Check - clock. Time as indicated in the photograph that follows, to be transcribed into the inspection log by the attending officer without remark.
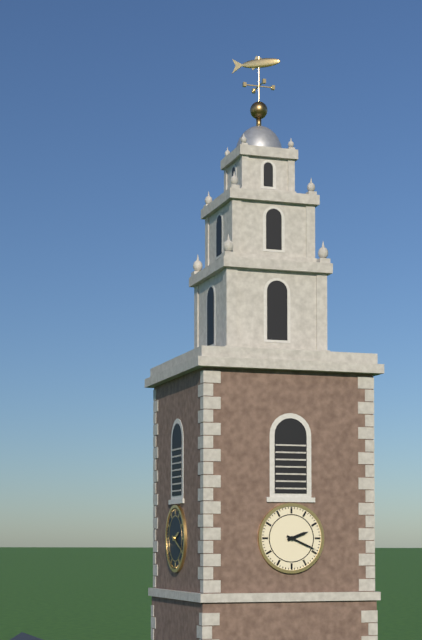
2:19
